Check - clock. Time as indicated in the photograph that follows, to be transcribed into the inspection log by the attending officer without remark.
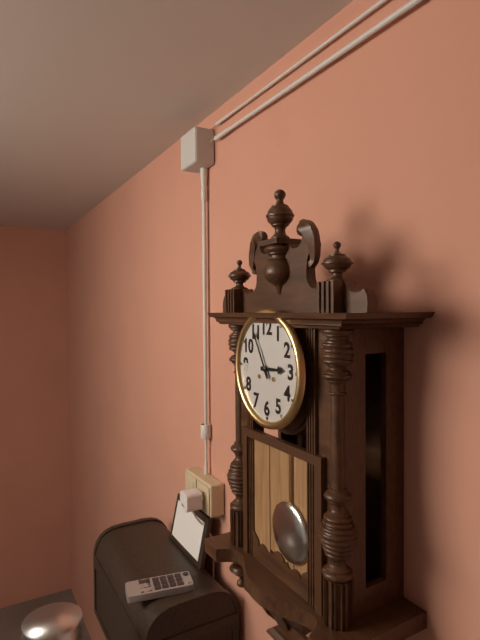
2:55
